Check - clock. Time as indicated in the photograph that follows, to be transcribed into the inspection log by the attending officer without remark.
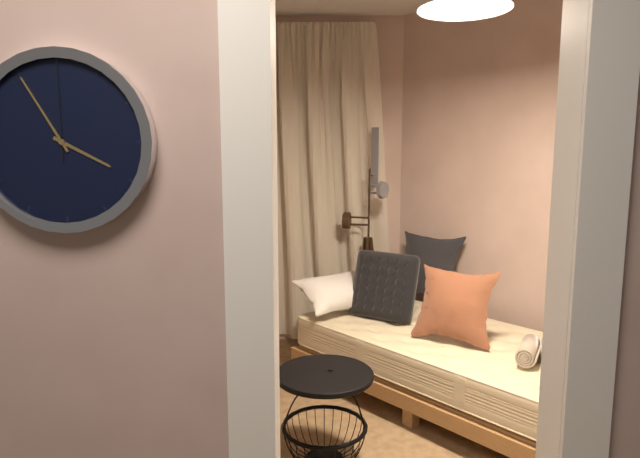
3:55:00
